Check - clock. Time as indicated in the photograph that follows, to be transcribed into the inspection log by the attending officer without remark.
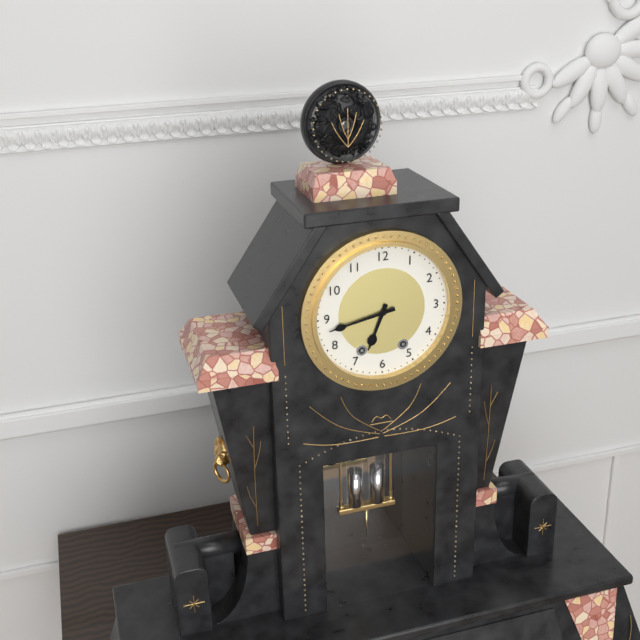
6:43
